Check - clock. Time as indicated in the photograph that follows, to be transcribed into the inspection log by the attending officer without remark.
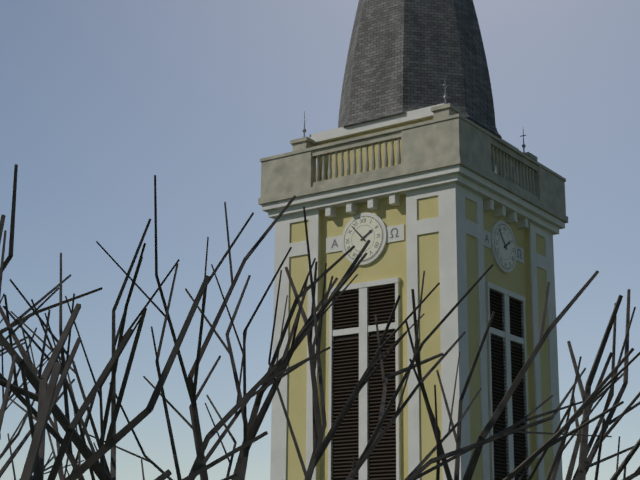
1:53
